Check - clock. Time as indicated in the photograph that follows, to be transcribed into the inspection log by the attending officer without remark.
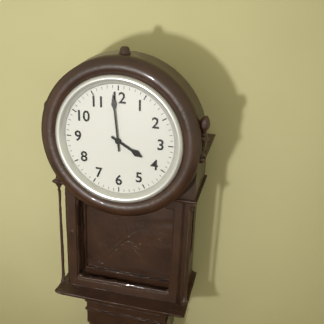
3:59
